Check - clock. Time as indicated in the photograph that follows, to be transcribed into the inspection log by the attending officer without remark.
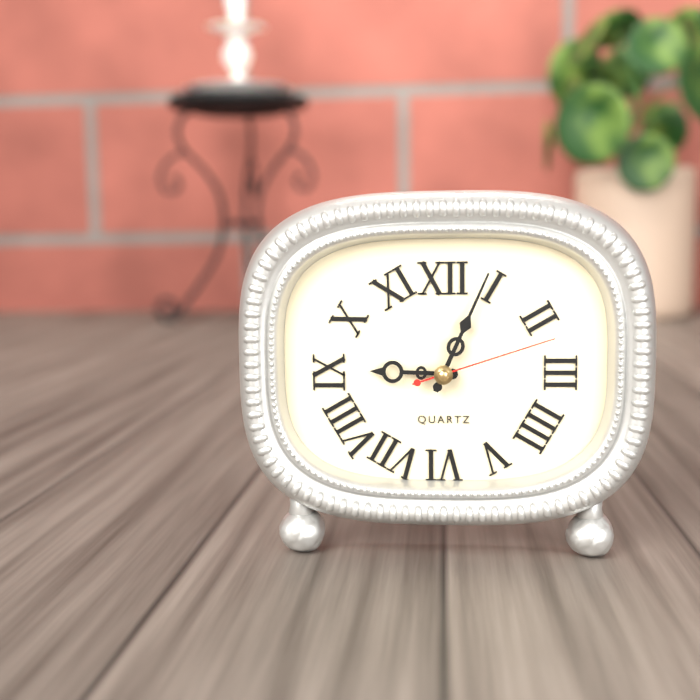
9:04:12
